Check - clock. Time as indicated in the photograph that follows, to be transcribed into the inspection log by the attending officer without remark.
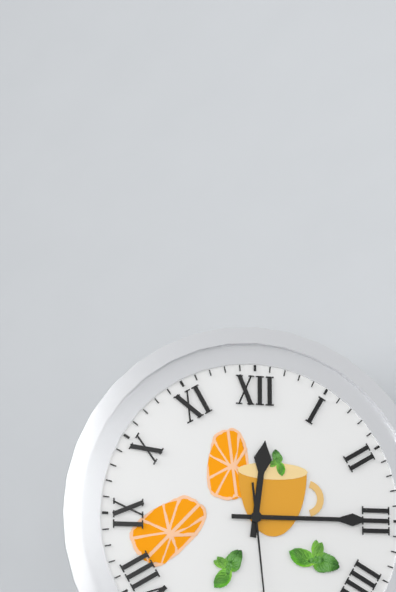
12:15
